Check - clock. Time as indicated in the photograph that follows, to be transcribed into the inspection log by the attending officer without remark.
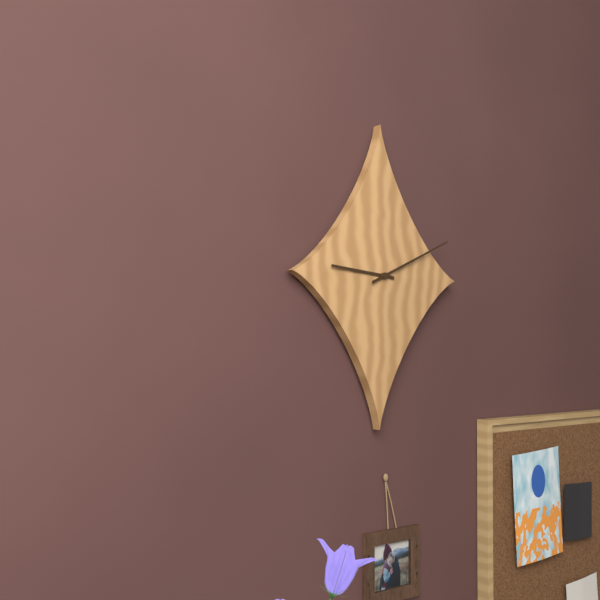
9:11
